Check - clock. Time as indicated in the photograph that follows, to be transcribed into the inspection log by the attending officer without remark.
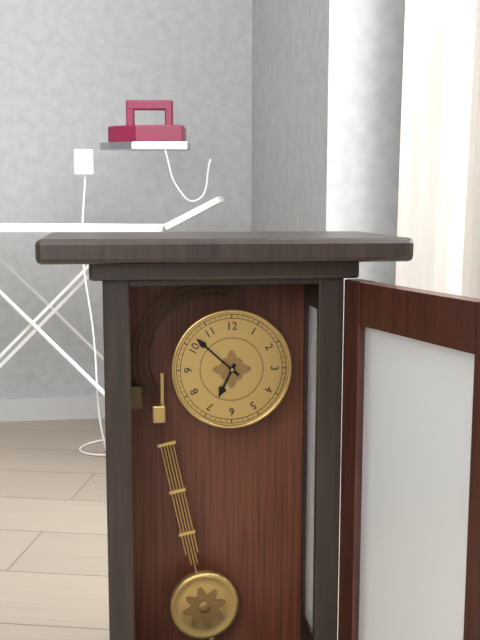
6:52
